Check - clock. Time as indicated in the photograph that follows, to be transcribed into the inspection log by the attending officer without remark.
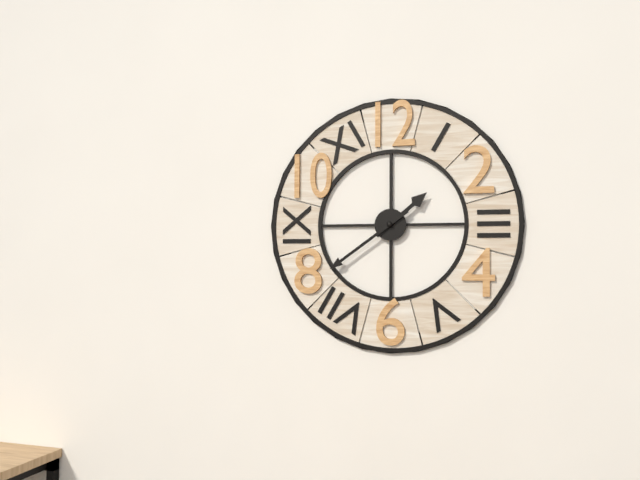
1:39
